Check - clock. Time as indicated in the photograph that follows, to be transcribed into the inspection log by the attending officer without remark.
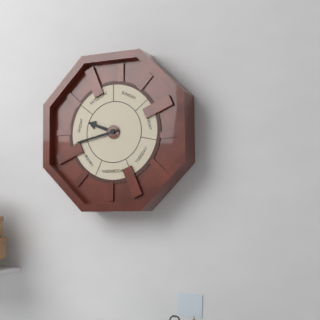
9:43
